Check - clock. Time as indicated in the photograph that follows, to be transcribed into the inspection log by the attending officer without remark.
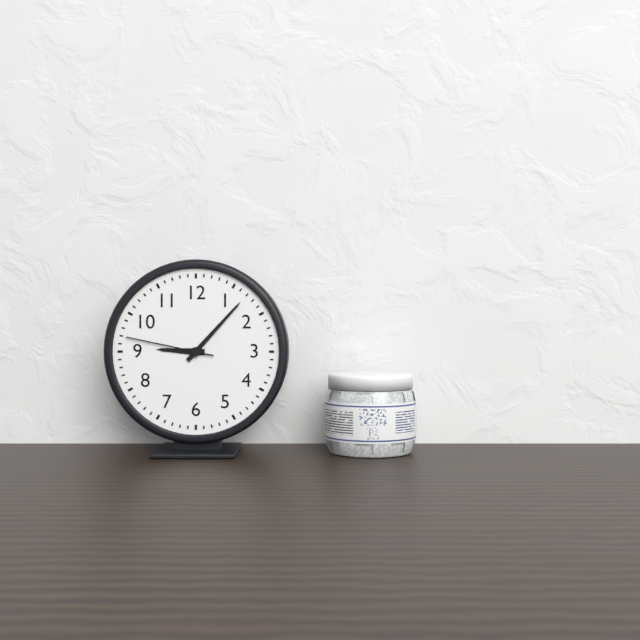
9:07:47
